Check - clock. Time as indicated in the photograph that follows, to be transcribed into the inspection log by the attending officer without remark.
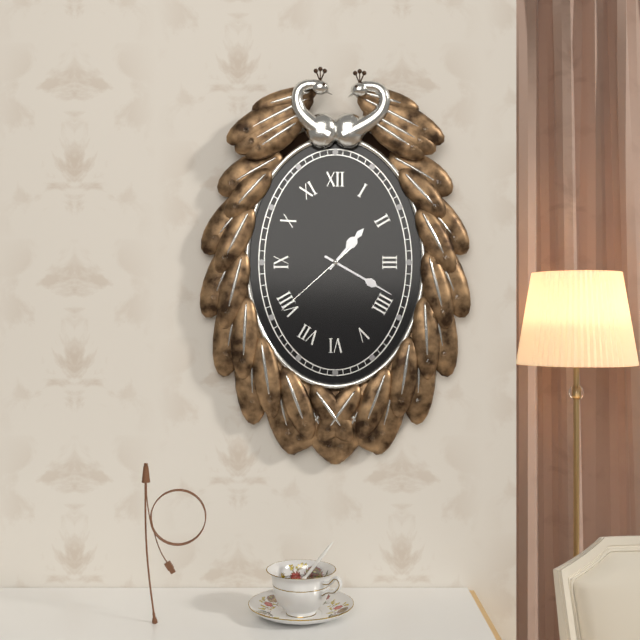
1:20:38
